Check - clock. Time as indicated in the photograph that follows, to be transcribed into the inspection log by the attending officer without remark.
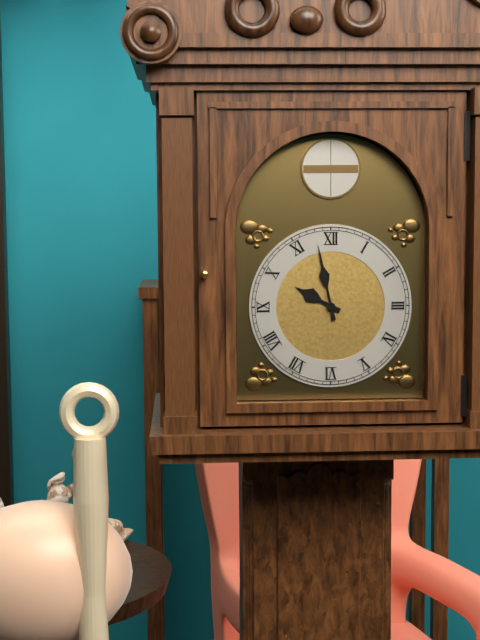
9:58
